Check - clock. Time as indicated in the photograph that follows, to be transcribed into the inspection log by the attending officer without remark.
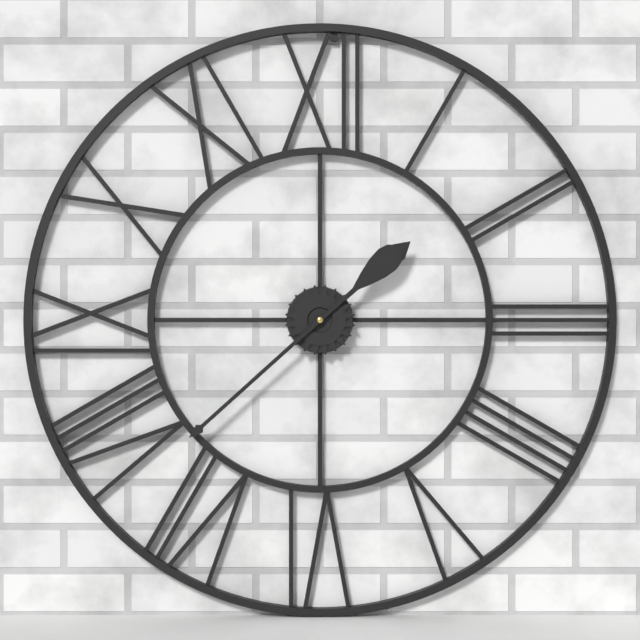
1:38
